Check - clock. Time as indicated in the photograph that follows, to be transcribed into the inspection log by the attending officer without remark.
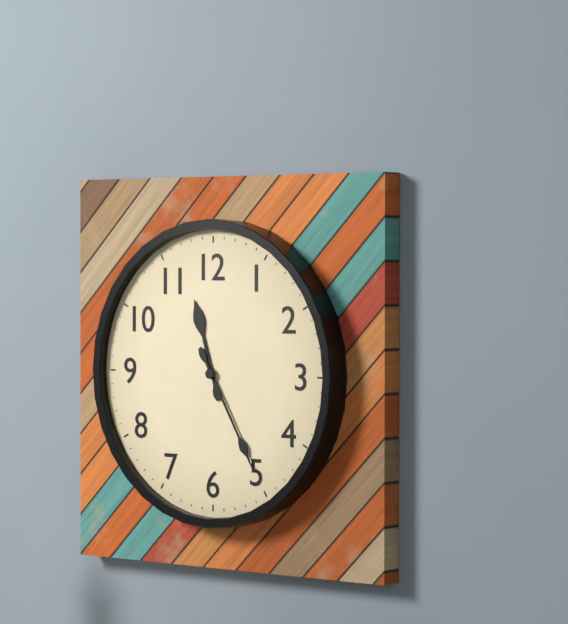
11:25
